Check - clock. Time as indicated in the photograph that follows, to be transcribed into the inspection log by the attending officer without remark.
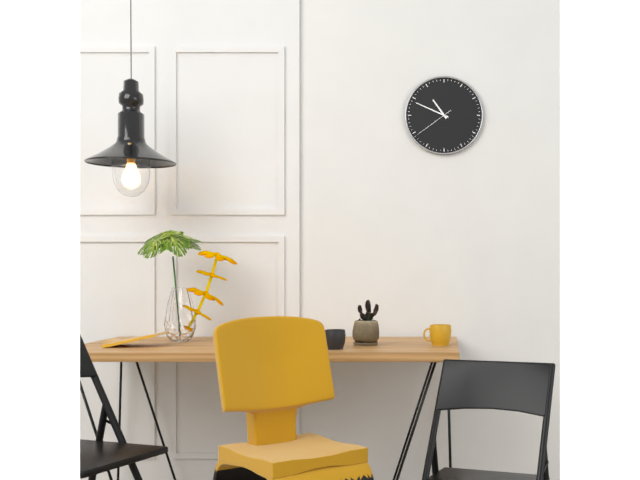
10:49
